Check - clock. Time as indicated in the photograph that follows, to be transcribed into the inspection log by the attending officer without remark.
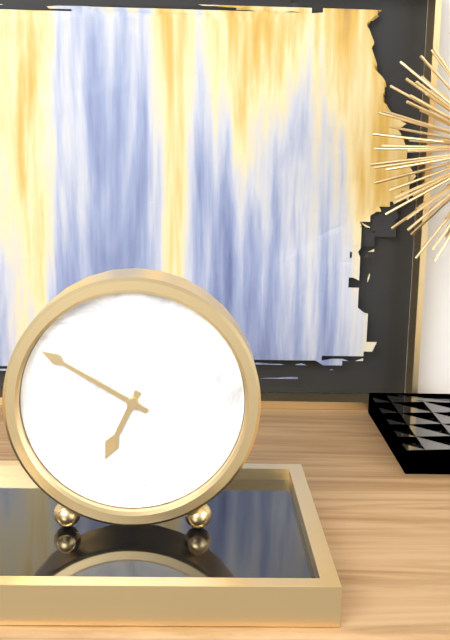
6:50
